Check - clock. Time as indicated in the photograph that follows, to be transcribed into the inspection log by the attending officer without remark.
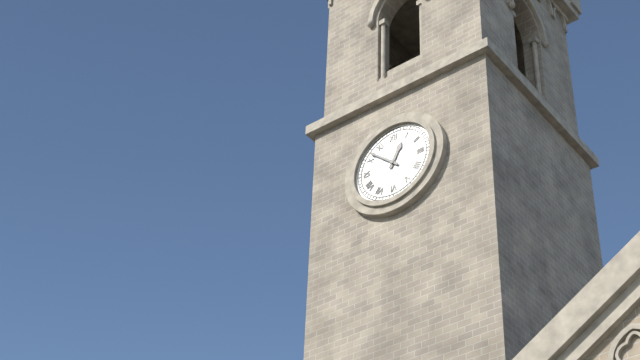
12:52
